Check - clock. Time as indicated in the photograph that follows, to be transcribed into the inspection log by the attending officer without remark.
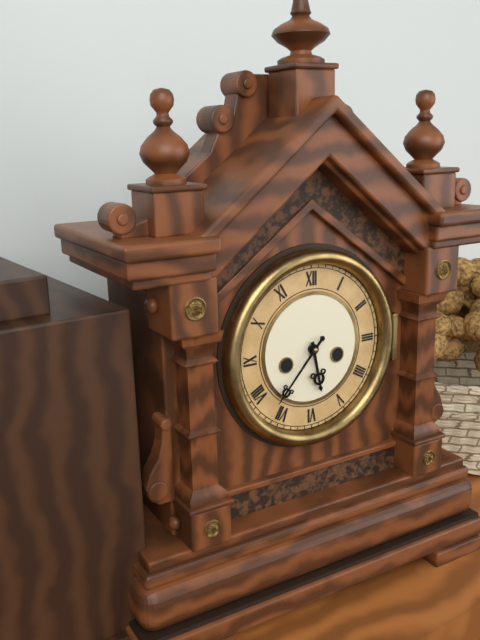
5:37
